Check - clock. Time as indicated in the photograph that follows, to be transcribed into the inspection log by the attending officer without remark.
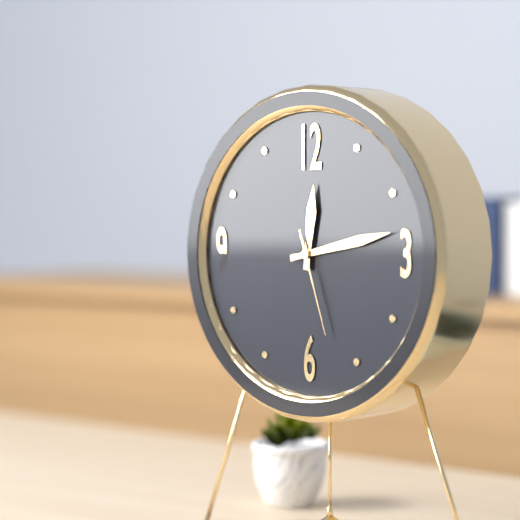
12:13:27
